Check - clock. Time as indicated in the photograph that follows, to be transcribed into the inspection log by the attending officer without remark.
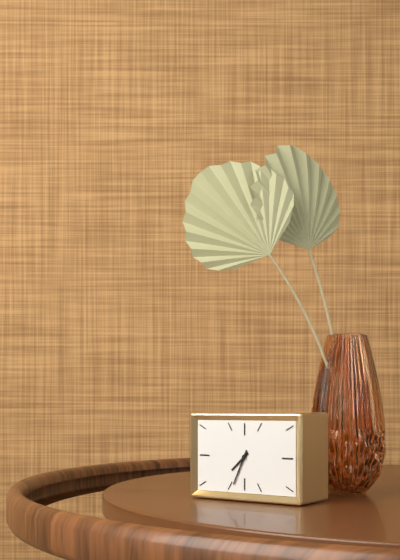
7:34
